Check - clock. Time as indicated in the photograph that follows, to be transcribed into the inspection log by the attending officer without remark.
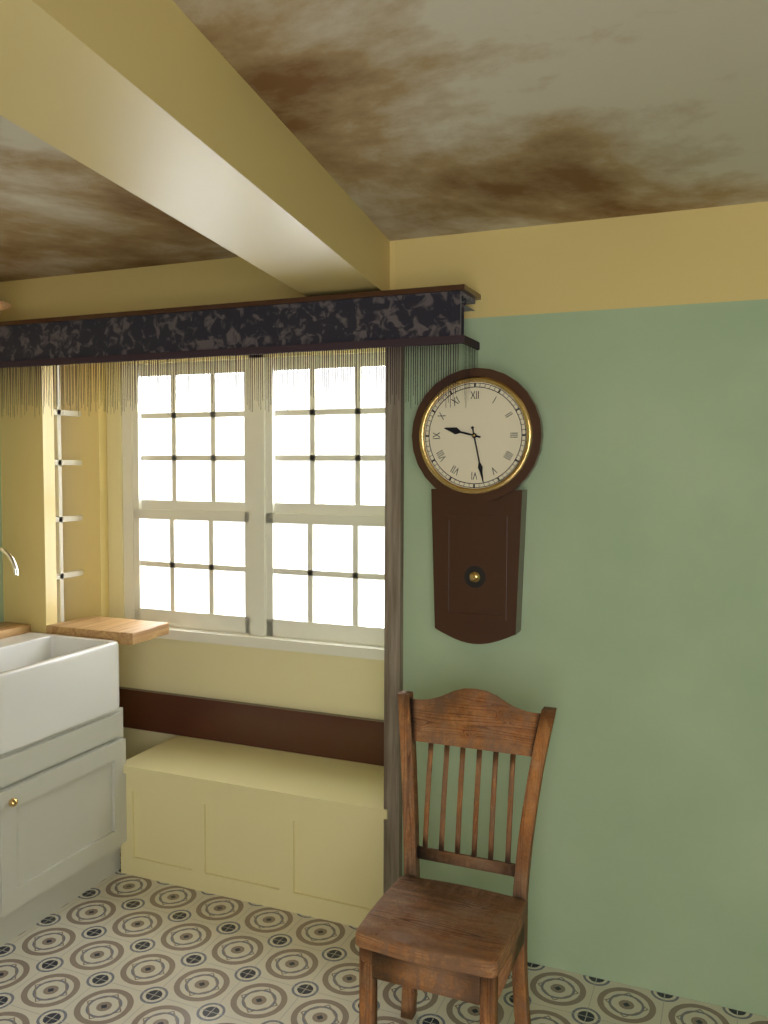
9:28
